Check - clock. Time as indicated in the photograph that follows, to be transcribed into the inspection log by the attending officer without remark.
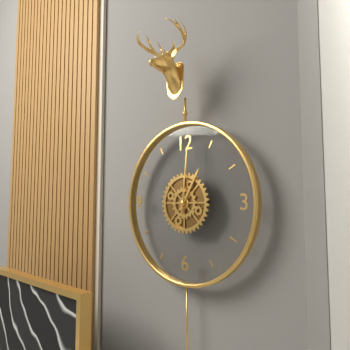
1:01
